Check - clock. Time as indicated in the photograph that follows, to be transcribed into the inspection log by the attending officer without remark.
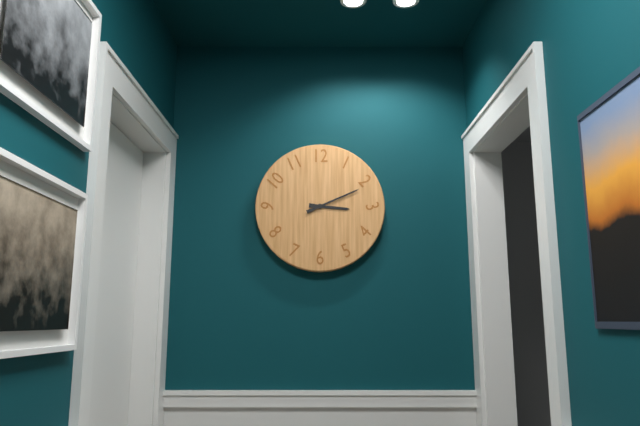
3:11
